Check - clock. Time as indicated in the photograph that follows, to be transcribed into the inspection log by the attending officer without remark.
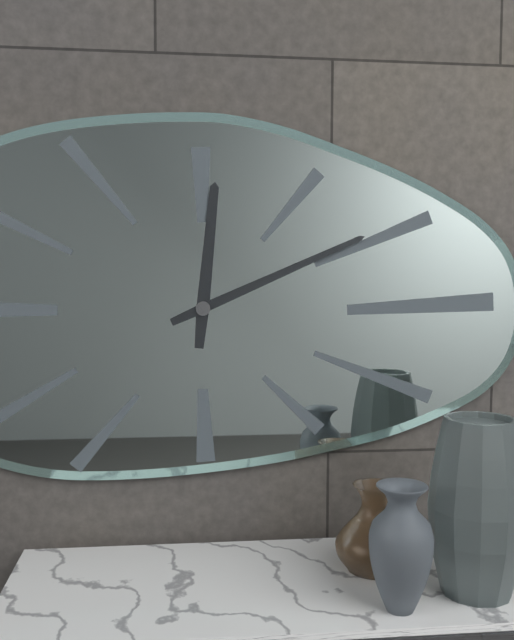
12:11
